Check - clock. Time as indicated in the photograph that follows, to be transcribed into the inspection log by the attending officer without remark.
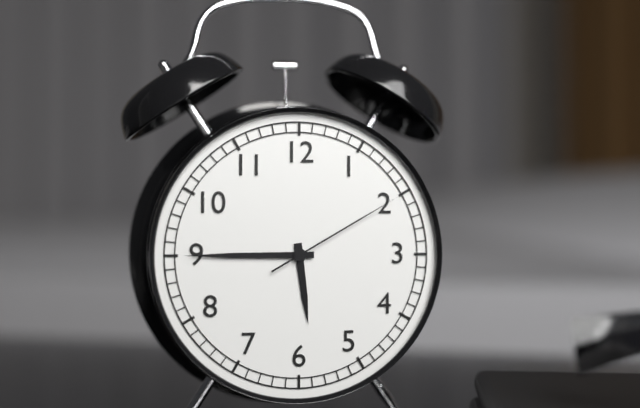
5:45:10
